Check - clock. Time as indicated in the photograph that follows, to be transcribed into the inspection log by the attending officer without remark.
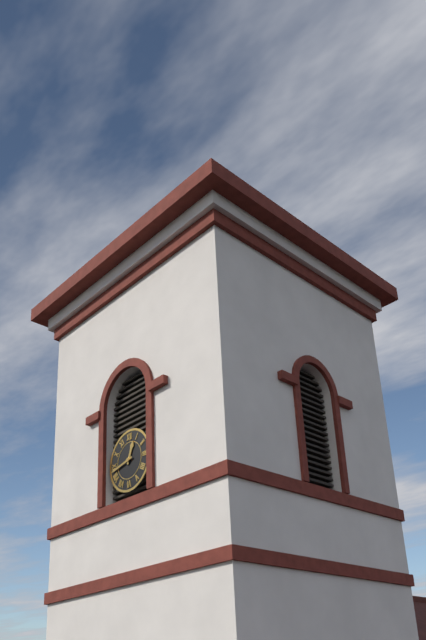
12:43
